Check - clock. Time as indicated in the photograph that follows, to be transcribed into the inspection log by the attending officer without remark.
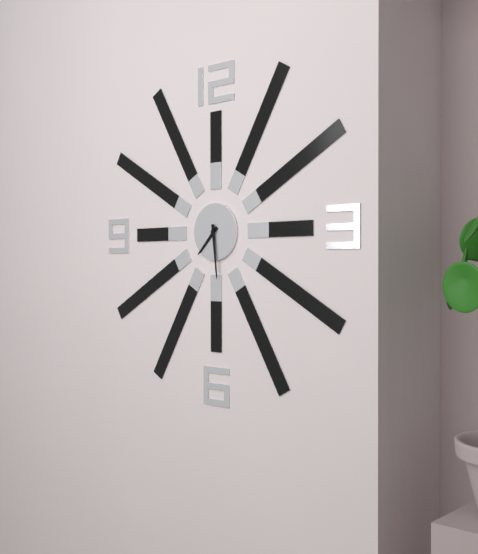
7:29
